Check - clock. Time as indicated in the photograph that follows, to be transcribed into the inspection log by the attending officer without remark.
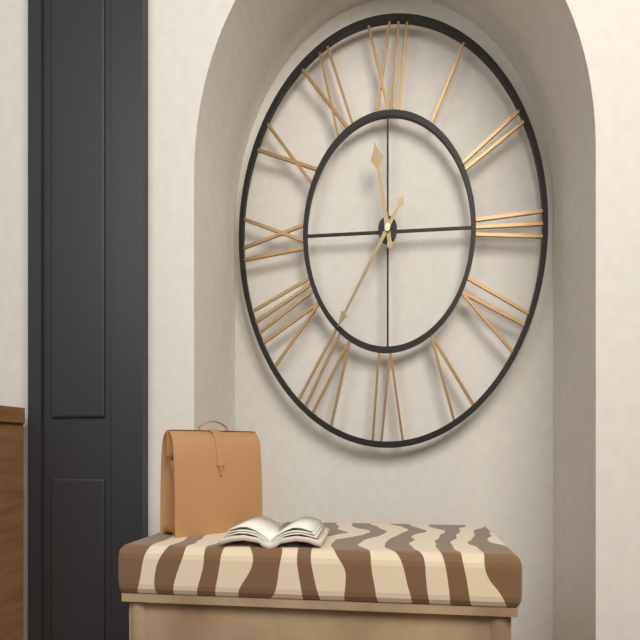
11:36
